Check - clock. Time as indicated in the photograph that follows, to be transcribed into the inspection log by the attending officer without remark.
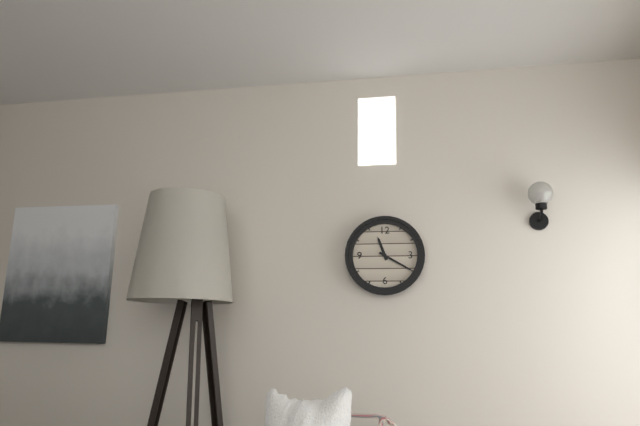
11:20
